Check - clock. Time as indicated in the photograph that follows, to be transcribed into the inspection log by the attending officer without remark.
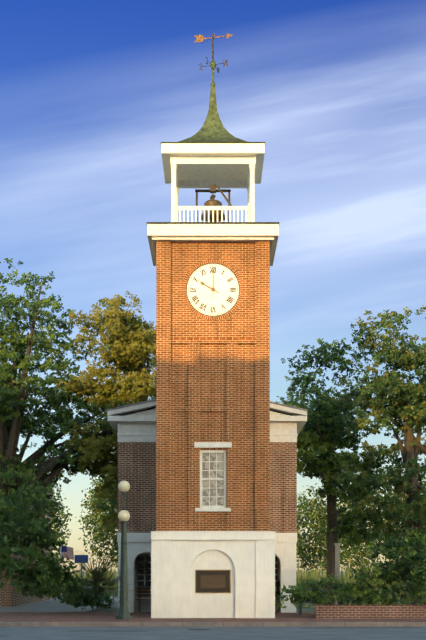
10:00
